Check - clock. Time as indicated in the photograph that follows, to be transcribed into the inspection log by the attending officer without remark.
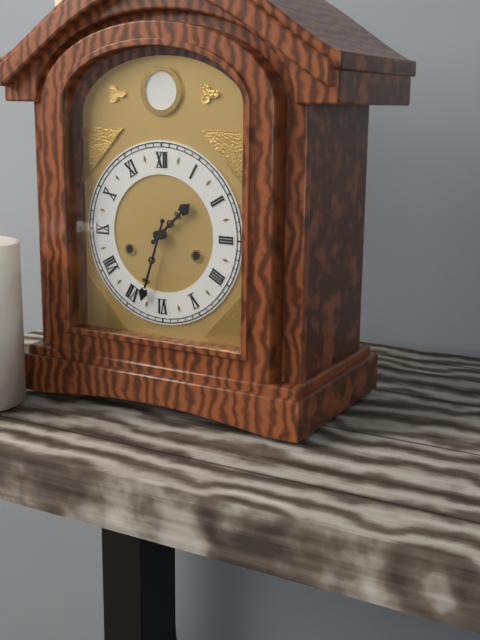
1:33
